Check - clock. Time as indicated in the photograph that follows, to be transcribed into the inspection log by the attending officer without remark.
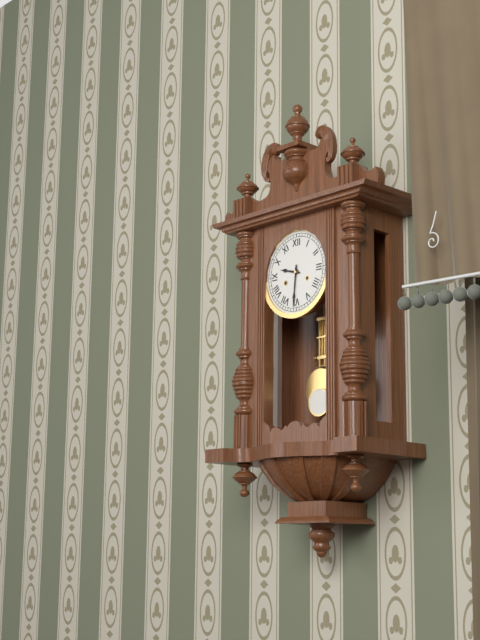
9:31
